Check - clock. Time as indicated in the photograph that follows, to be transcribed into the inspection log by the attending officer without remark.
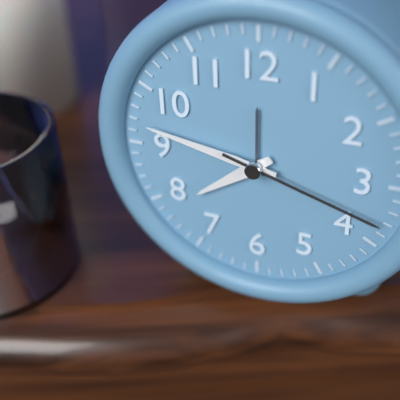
7:47:18
